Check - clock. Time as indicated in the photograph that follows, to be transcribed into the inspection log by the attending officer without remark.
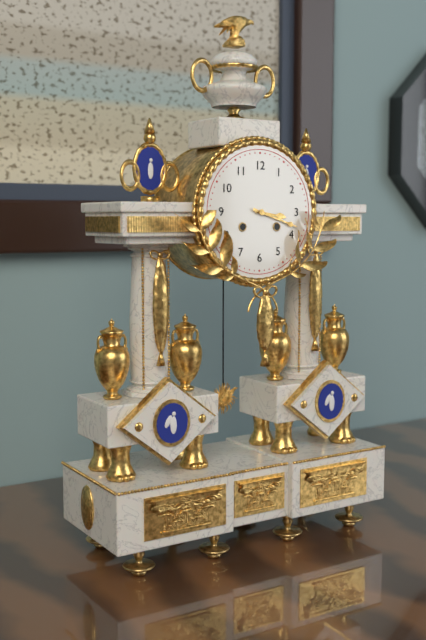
3:18
